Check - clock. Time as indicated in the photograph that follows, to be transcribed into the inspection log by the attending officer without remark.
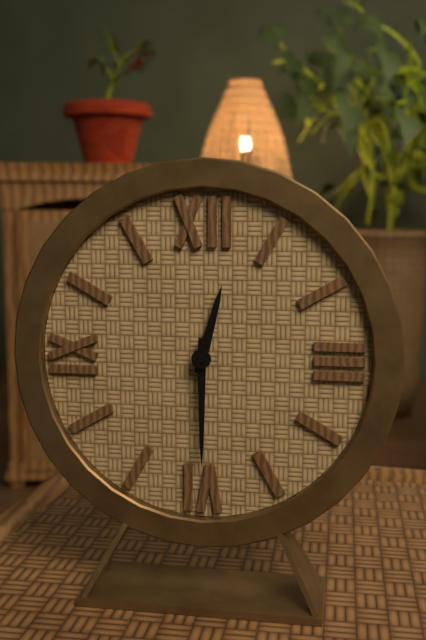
12:30
